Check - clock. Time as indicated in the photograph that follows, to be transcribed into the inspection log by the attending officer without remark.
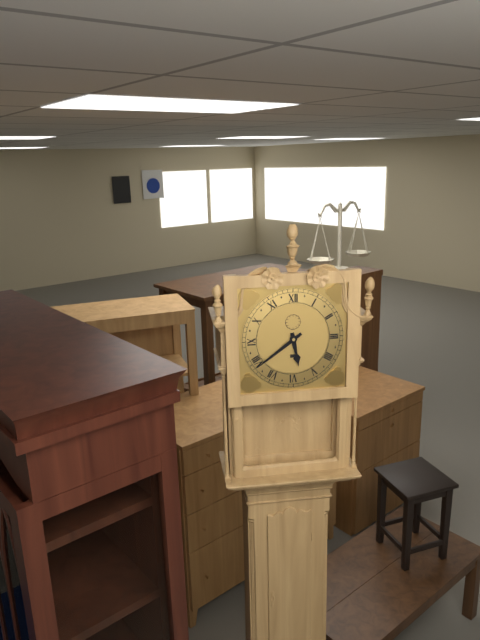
5:39
